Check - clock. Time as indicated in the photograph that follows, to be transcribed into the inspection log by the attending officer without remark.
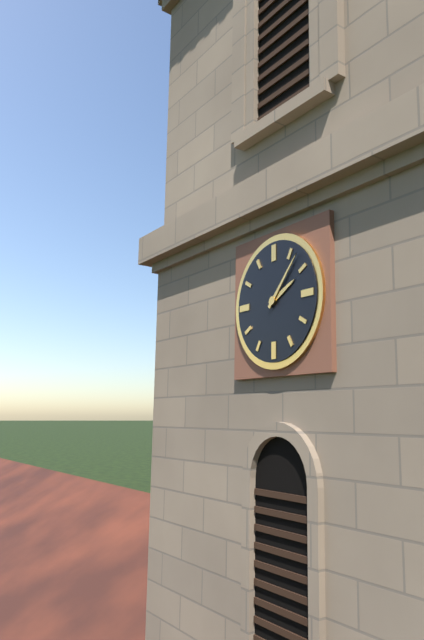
2:07
